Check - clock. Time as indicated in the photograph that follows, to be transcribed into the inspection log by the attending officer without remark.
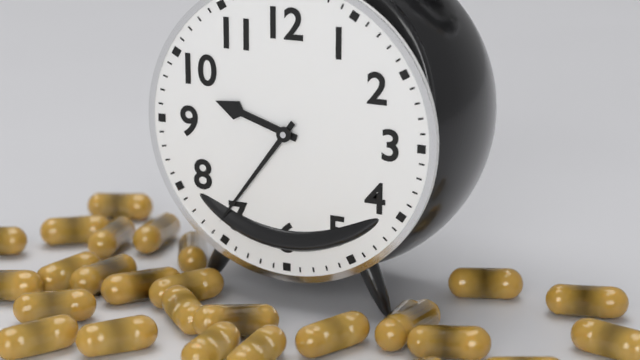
9:36
